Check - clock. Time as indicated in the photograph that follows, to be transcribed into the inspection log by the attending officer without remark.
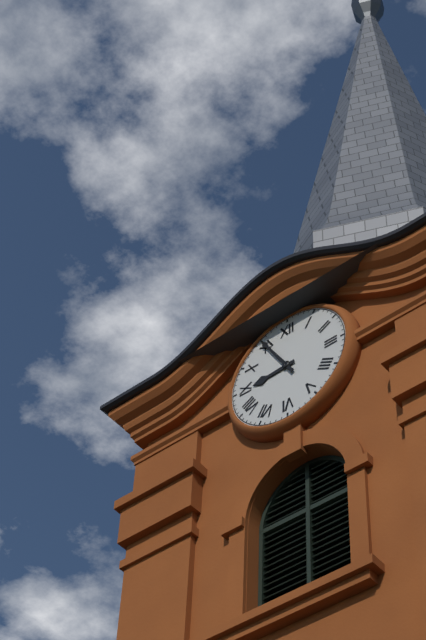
8:55
